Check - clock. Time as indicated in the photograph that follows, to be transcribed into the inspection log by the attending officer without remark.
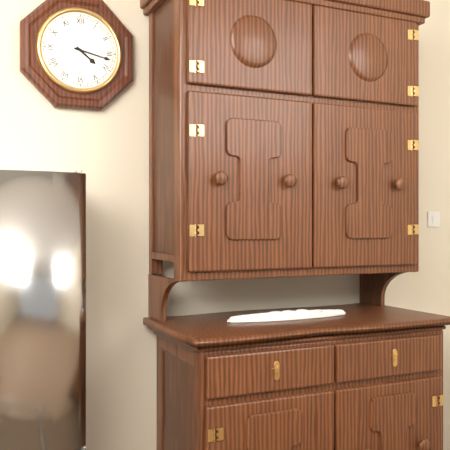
4:17
